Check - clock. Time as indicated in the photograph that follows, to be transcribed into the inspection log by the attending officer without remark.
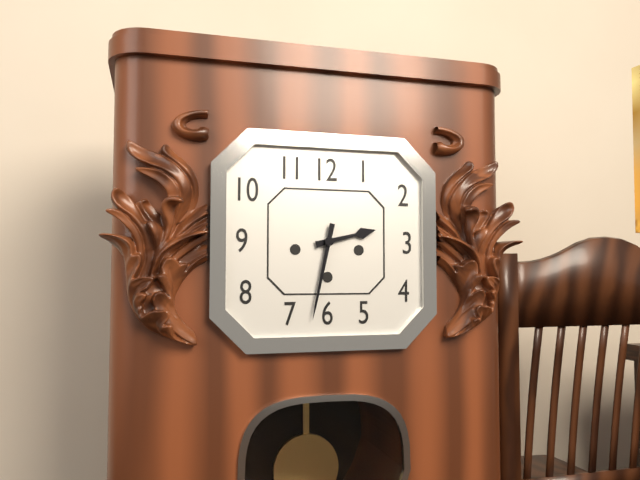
2:32
